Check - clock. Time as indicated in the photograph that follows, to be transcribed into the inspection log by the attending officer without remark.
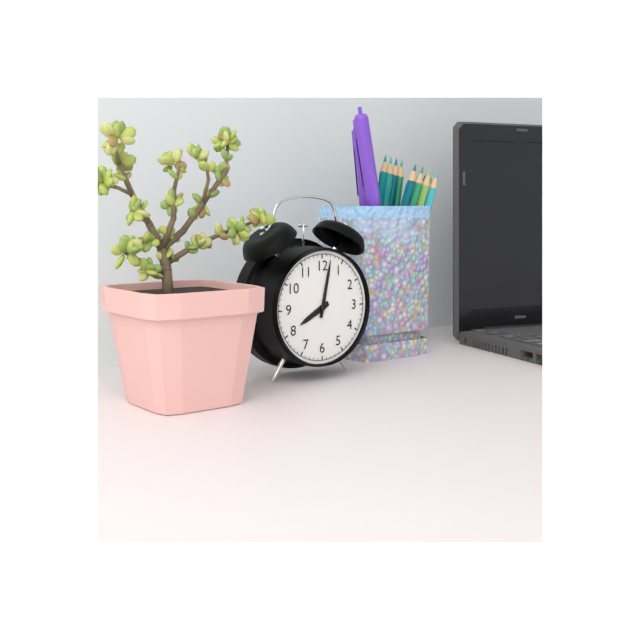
8:02
